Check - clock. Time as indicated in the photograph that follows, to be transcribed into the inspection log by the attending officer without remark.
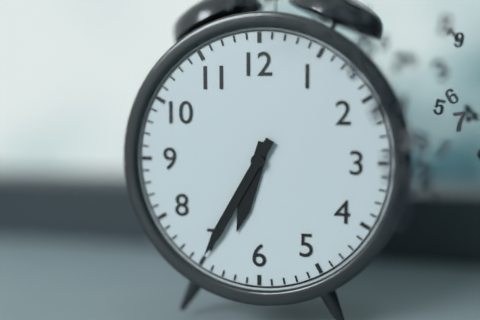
6:35
